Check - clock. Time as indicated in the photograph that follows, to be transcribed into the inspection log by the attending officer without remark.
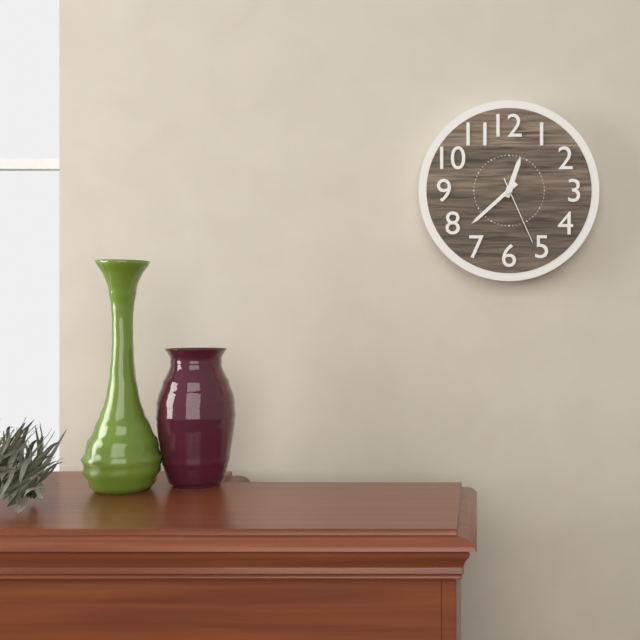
12:38:26
